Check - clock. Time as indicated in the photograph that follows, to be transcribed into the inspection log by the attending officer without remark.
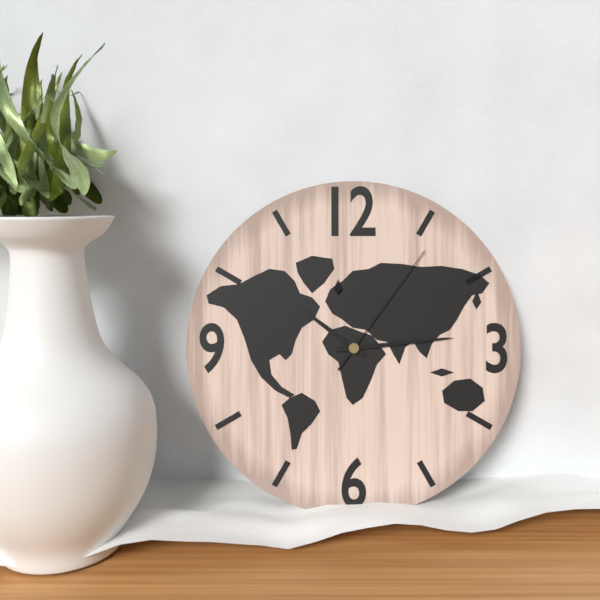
10:14:06
